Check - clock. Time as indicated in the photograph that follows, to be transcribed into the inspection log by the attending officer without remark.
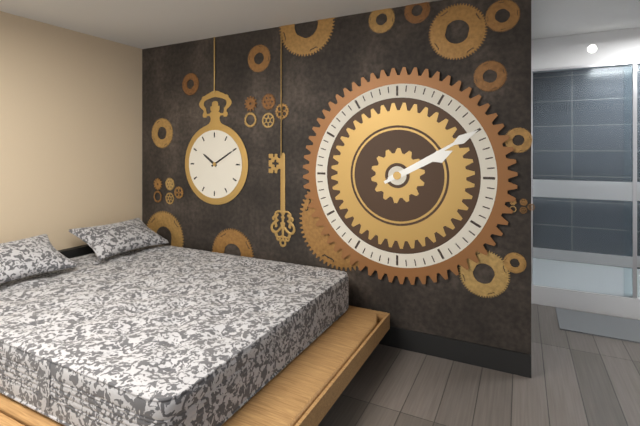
2:10
